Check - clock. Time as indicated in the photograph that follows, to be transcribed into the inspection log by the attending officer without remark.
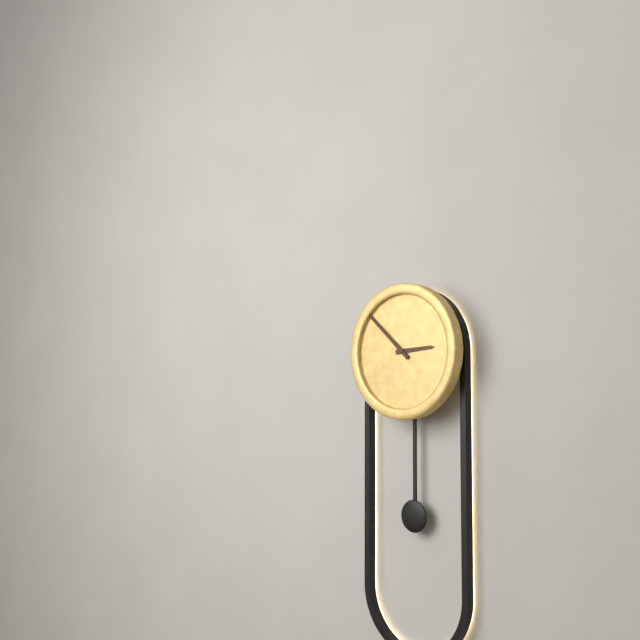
2:52
